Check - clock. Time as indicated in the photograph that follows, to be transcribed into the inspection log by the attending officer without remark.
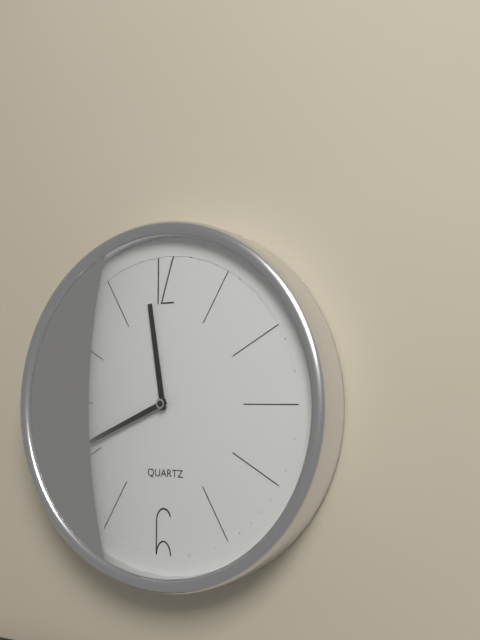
11:41
